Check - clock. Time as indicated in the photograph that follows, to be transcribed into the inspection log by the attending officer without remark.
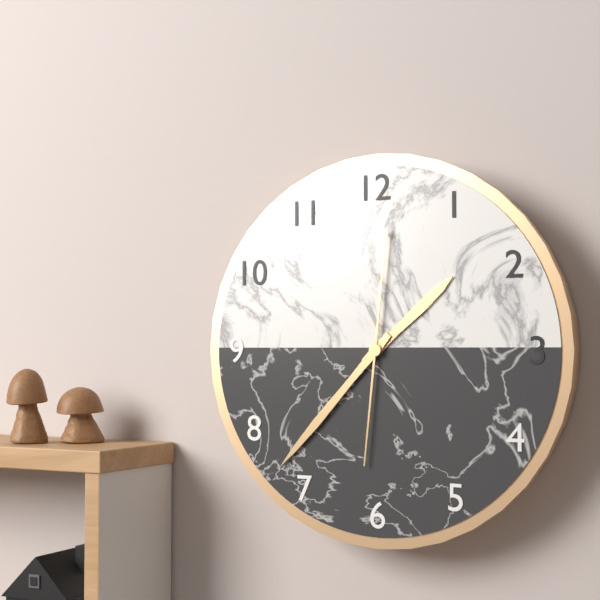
1:37:01
